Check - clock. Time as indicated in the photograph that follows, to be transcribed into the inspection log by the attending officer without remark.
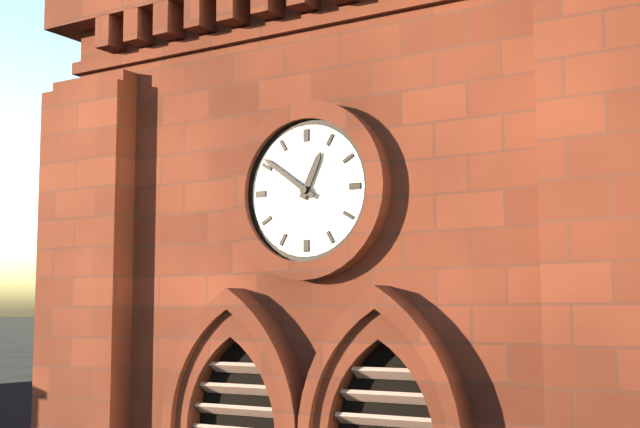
12:51
